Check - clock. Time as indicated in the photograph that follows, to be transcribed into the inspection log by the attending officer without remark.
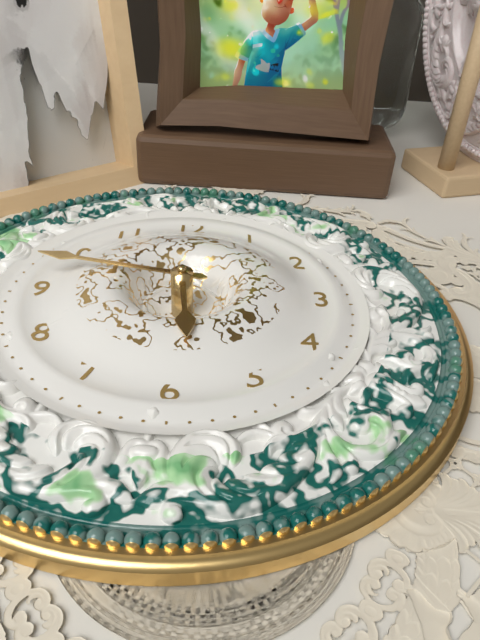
5:47
